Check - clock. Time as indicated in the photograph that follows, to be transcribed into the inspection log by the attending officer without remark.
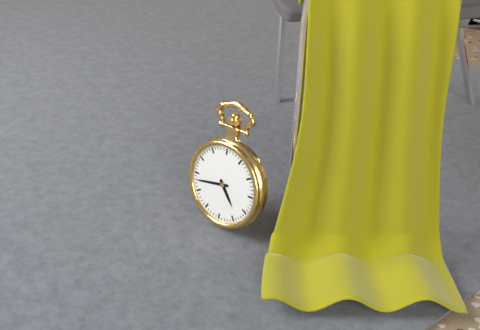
4:43
